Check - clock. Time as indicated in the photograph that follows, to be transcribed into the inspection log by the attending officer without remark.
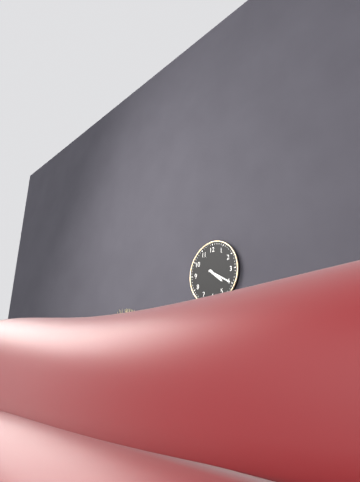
4:20
